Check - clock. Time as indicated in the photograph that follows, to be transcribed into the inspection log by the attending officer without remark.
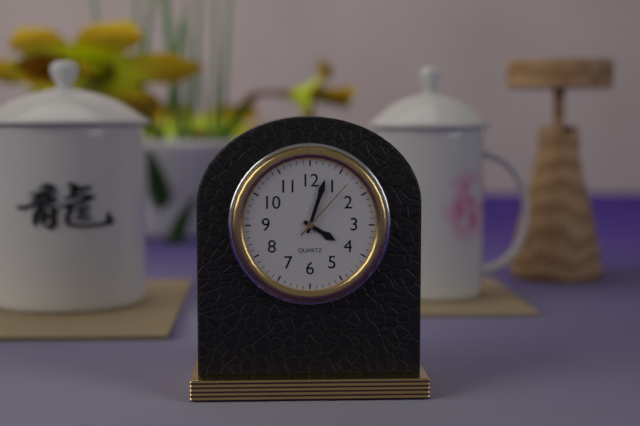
4:03:07
